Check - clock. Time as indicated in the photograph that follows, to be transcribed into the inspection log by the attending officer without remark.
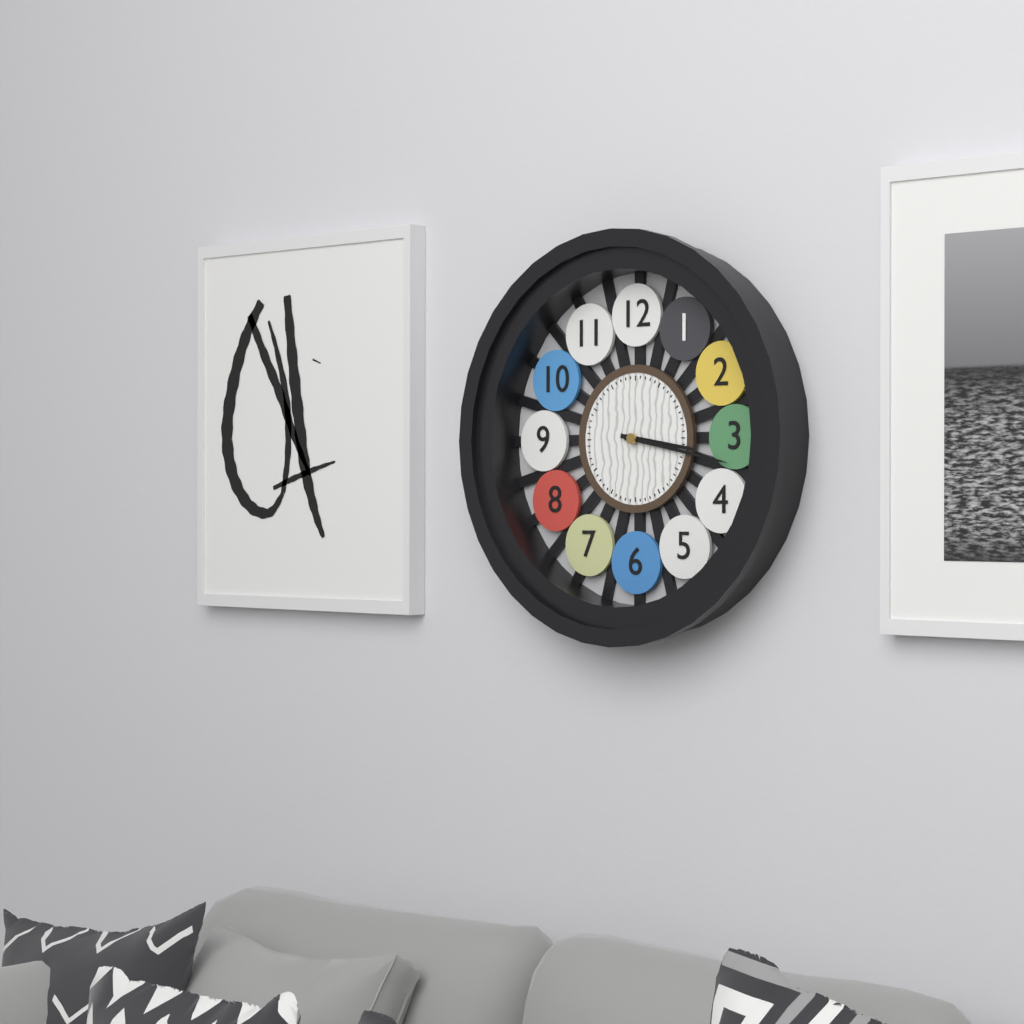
3:17
